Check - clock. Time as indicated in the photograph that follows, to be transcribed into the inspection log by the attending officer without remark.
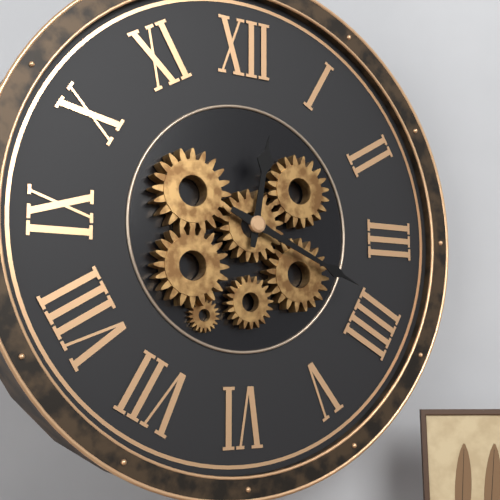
12:19
